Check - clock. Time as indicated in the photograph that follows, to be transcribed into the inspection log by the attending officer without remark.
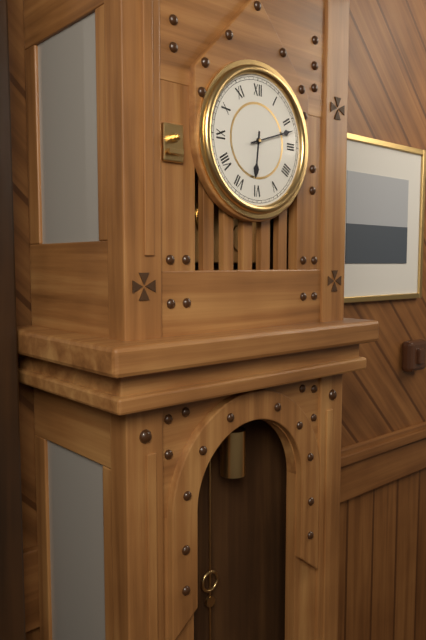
6:12
